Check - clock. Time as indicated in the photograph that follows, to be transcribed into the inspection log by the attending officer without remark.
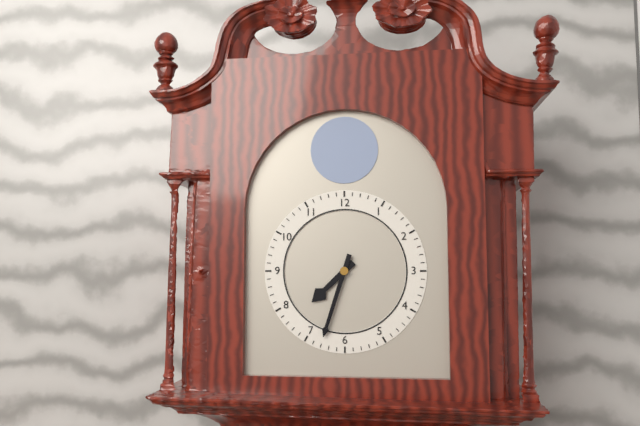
7:33
